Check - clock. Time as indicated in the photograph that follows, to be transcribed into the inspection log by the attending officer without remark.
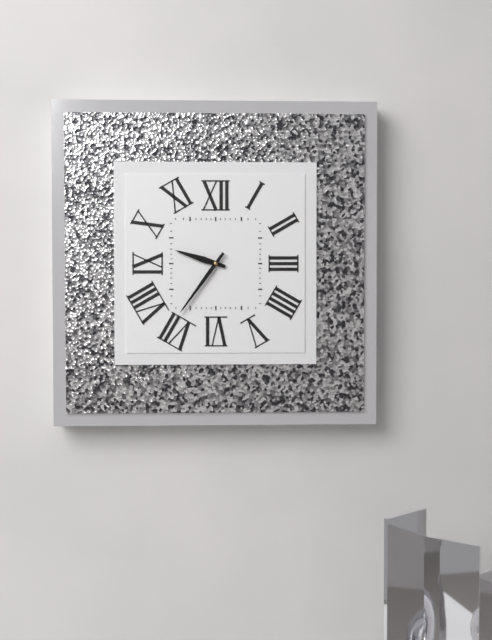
9:36
